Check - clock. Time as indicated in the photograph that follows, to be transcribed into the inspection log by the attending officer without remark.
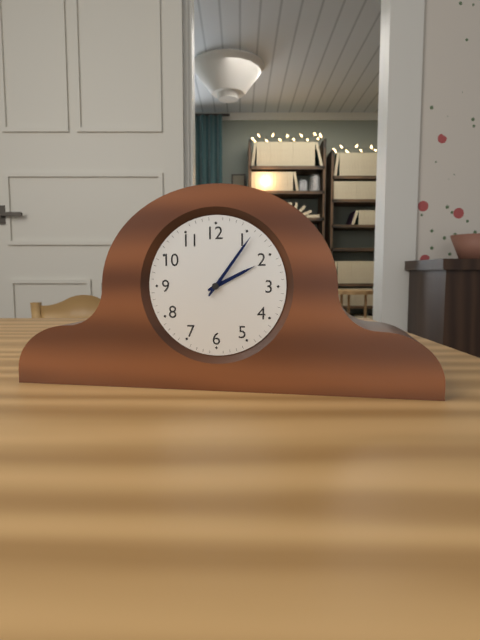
2:06
